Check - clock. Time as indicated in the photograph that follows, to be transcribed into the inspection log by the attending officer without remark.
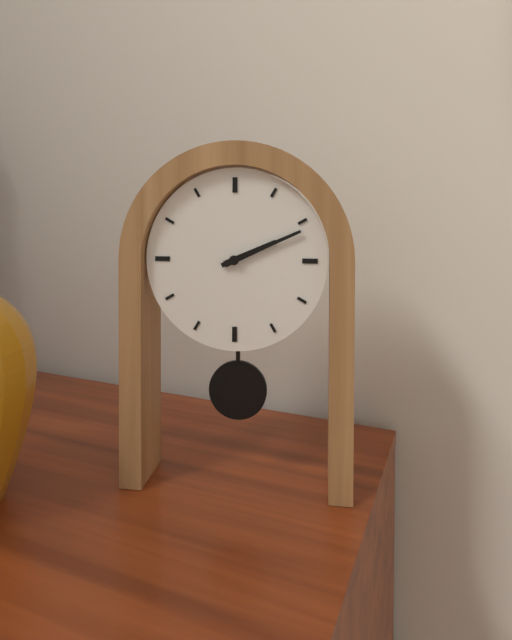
2:11
